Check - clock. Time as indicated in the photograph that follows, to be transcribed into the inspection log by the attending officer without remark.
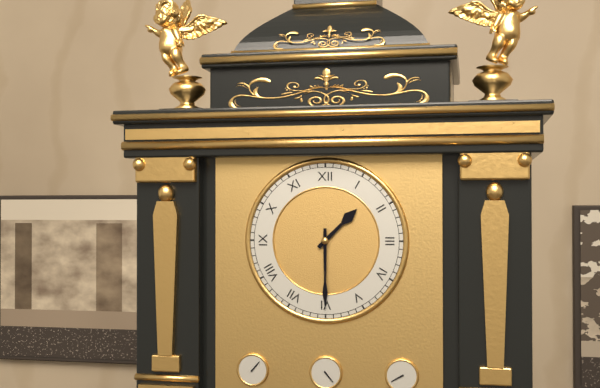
1:30
